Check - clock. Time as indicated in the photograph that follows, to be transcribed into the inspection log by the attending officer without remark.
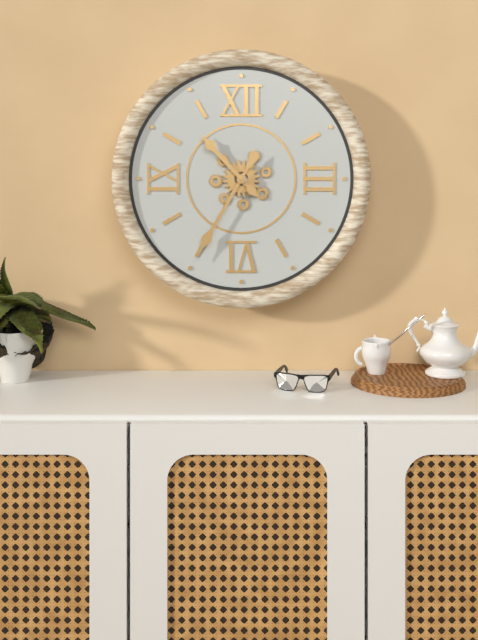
10:35
